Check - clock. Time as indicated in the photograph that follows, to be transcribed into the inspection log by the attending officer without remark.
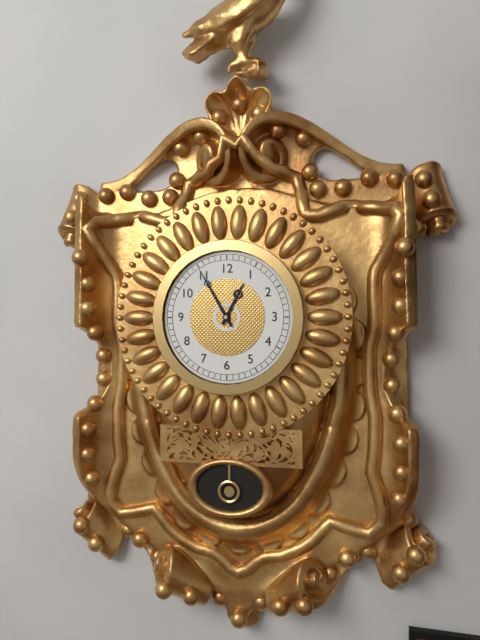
12:55
